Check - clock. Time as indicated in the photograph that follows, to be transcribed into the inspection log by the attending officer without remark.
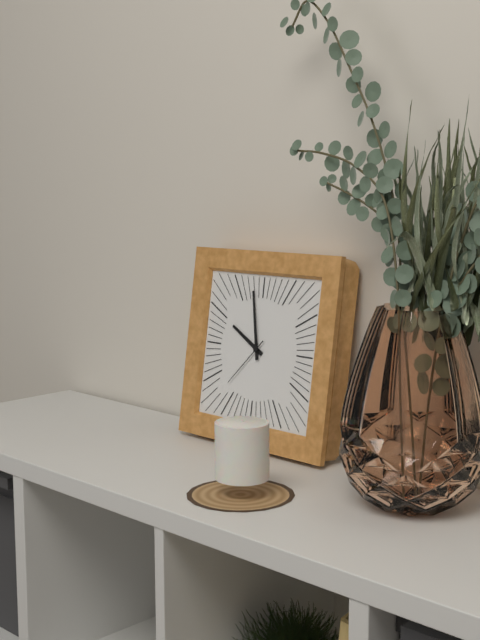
9:58:37
